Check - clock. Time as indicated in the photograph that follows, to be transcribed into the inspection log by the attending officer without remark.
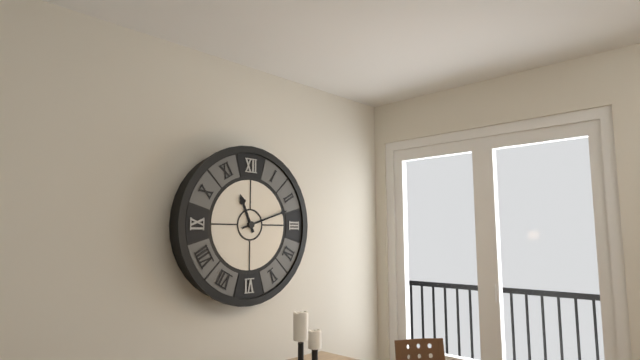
11:12
